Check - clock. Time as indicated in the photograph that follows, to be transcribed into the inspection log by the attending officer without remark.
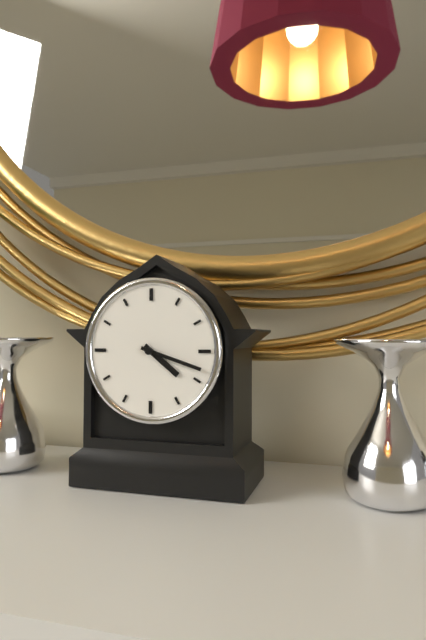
4:18
